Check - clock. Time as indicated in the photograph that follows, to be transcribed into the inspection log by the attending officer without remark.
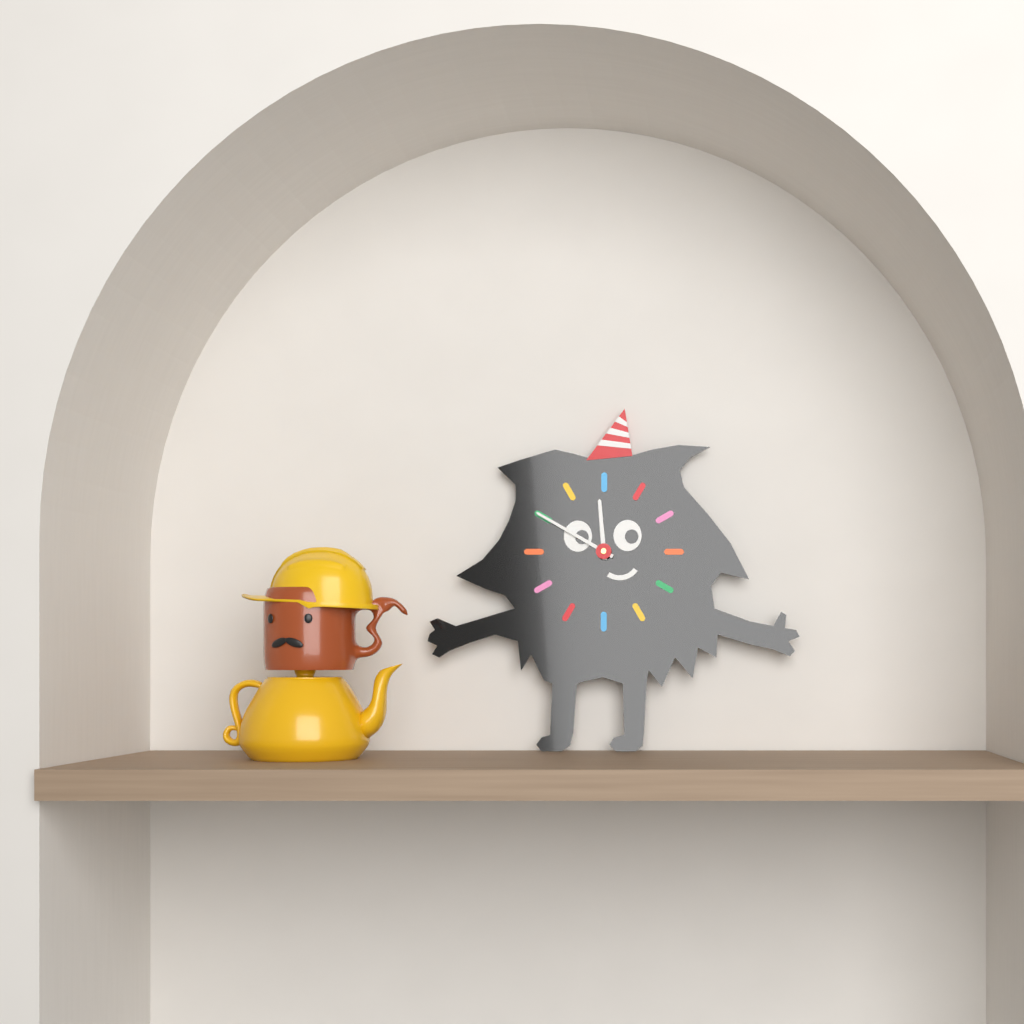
11:50
